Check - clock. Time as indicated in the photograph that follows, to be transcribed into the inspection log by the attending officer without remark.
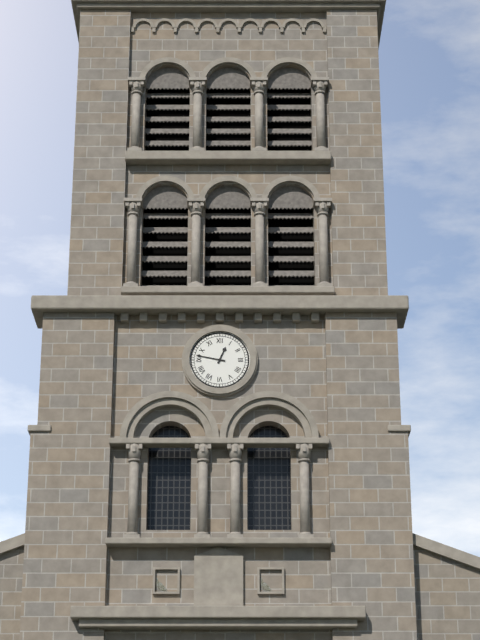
12:47
